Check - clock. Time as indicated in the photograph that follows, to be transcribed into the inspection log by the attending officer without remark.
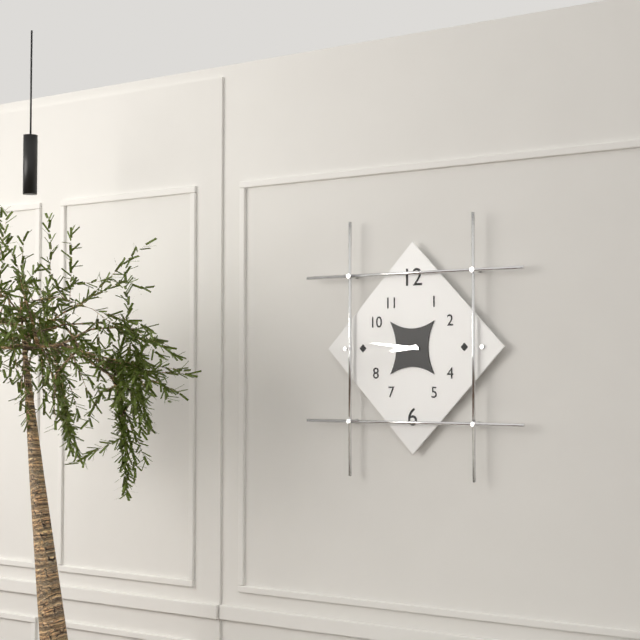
8:46
